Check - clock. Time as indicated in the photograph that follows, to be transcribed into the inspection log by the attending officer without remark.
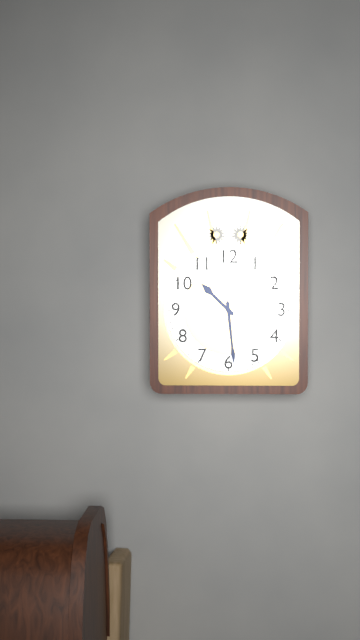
10:29
